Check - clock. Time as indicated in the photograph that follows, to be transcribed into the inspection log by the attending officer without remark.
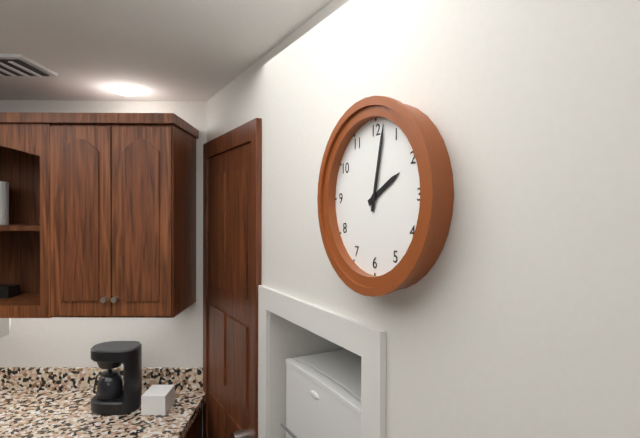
2:02
